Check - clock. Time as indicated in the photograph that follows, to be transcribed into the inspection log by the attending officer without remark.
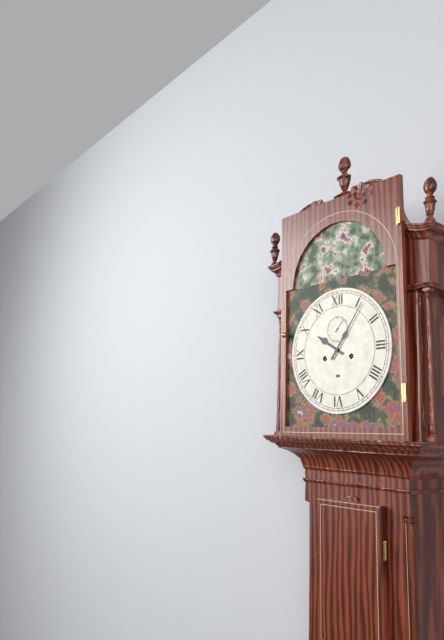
10:06
